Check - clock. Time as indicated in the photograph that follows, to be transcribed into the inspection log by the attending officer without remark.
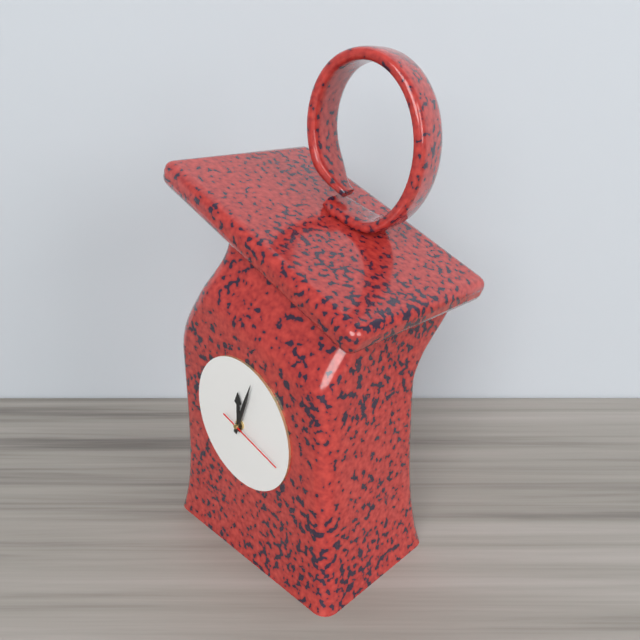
12:04:18
